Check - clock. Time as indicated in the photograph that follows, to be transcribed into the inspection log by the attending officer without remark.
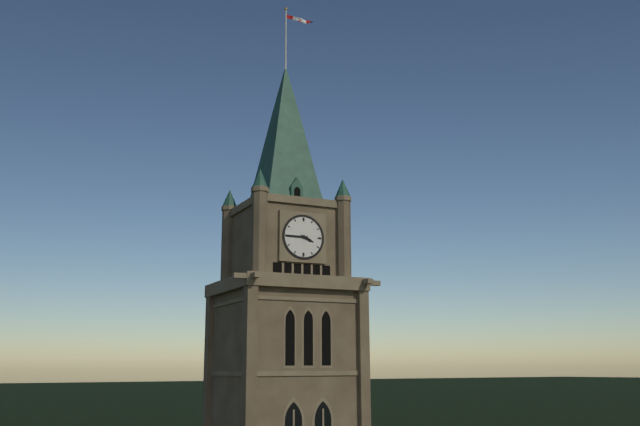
3:45
